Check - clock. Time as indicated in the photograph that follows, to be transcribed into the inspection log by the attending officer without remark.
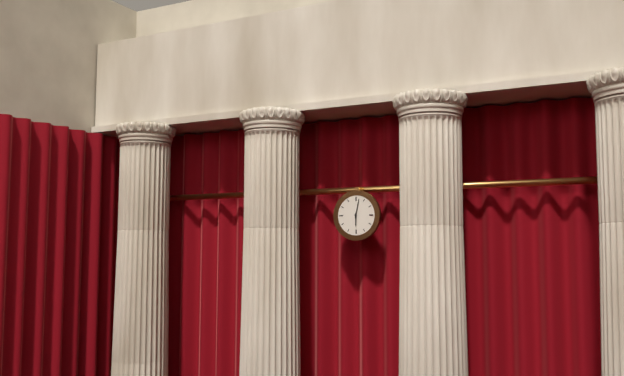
6:02
